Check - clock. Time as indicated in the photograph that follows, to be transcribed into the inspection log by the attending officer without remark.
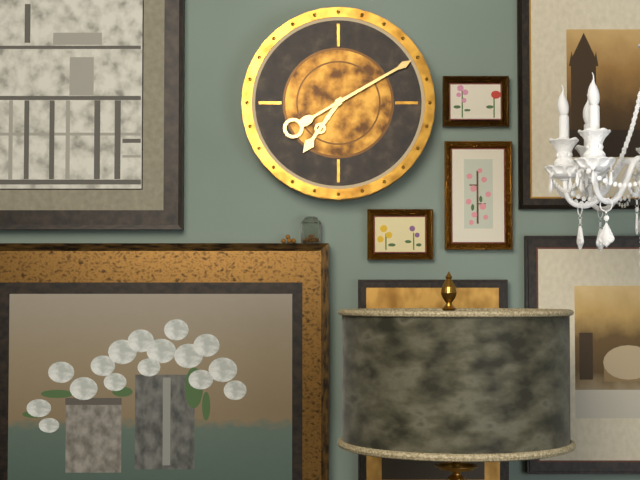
7:10
